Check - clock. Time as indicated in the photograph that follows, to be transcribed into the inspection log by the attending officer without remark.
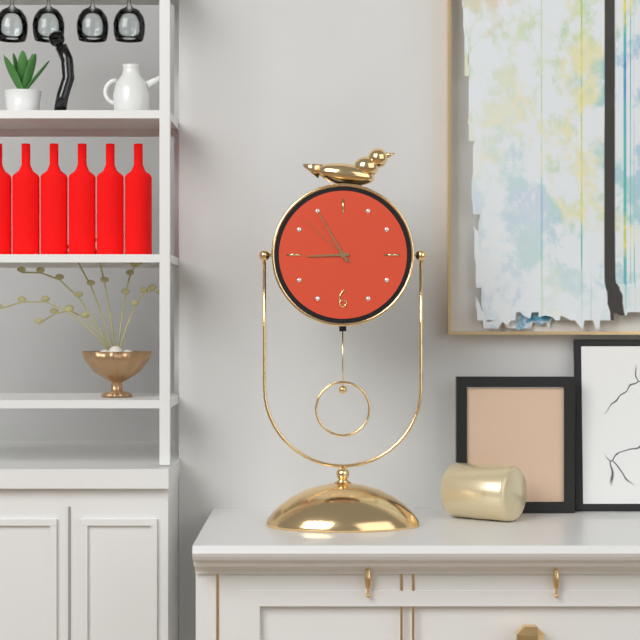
8:55:52
